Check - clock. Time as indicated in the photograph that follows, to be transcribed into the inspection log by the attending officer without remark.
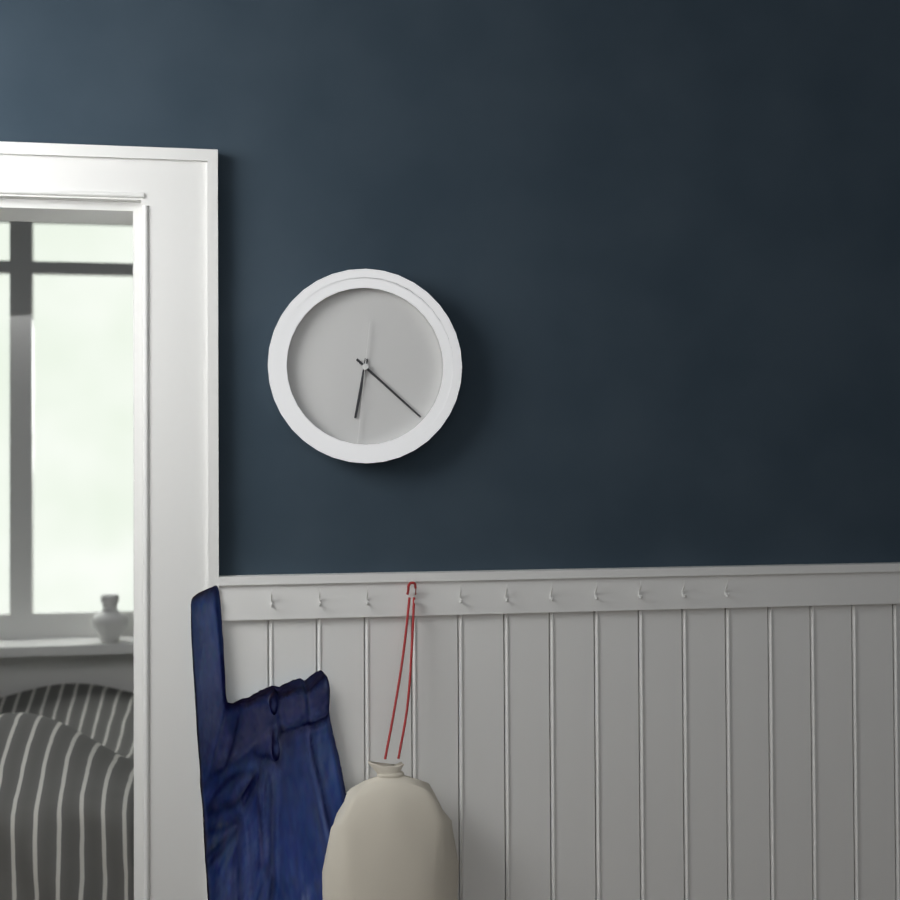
6:22:31
